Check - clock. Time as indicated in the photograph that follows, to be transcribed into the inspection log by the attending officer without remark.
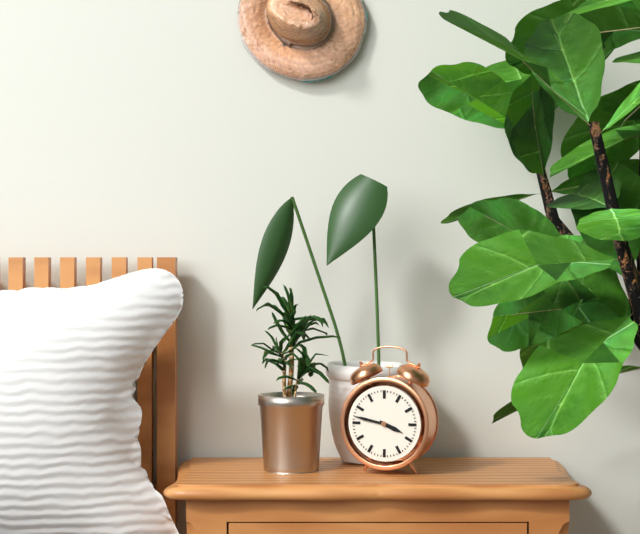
3:47
